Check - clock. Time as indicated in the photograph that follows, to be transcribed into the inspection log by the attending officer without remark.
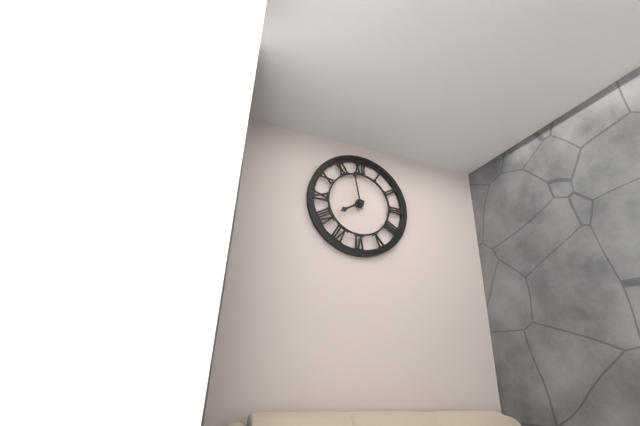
7:58
